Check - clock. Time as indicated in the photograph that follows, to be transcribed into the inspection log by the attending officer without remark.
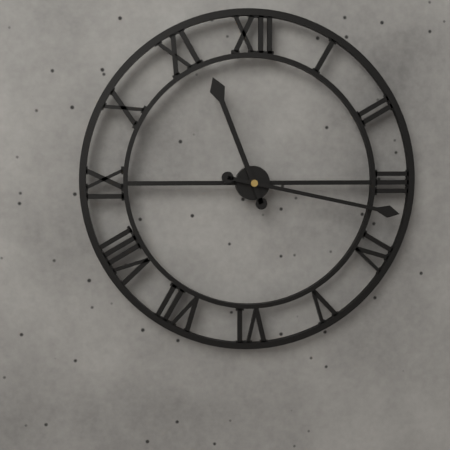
11:17
